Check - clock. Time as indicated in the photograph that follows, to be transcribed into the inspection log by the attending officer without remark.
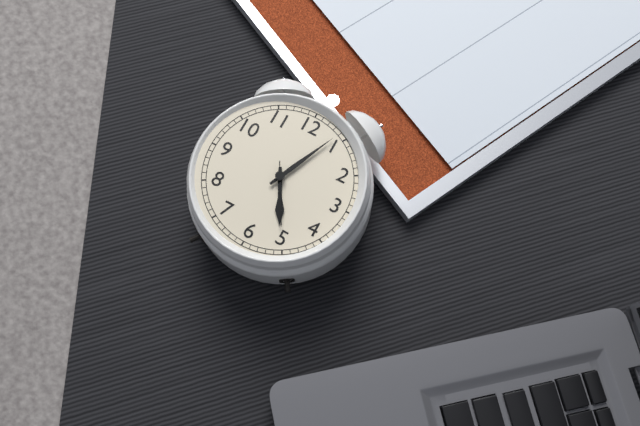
5:04:25
